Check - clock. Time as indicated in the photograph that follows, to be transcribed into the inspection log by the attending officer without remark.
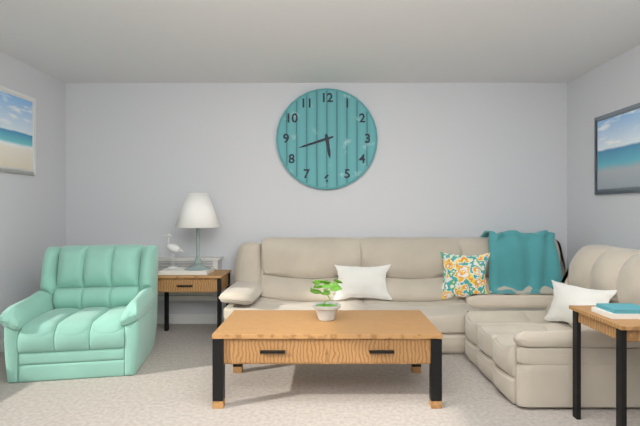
5:42
